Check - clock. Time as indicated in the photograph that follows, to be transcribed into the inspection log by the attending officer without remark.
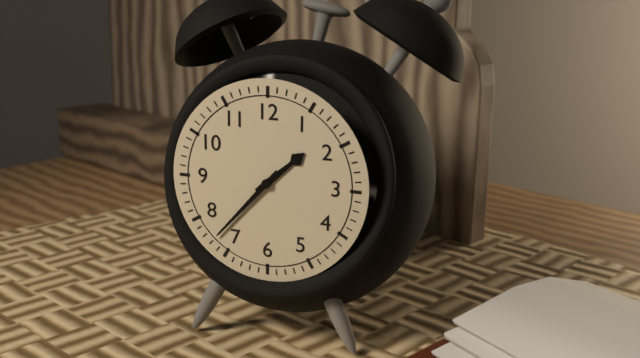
1:37
